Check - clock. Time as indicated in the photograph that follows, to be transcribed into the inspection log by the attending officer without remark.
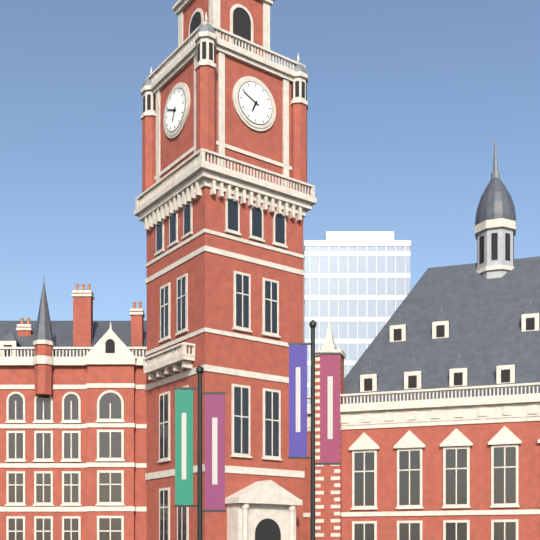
6:49
